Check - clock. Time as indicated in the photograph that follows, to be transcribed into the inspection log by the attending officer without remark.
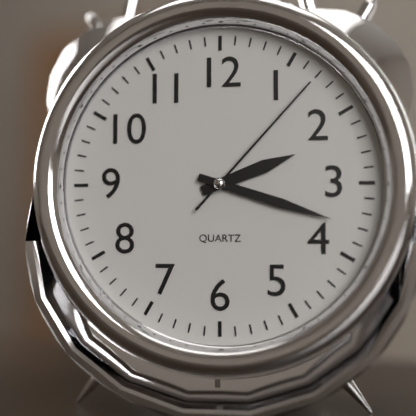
2:18:07
